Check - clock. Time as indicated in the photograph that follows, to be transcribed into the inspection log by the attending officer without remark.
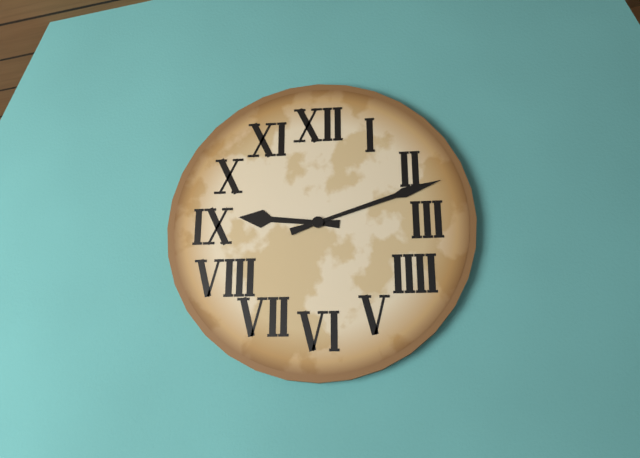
9:12
